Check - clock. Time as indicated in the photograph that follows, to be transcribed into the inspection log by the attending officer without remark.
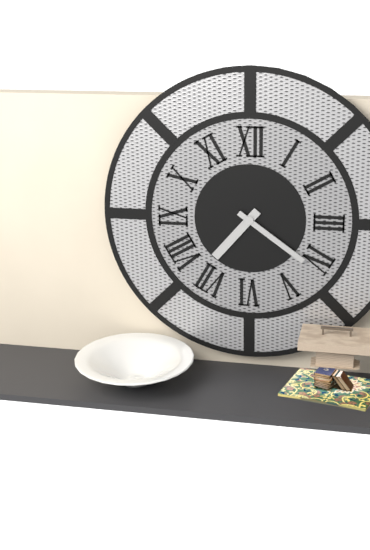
7:21
